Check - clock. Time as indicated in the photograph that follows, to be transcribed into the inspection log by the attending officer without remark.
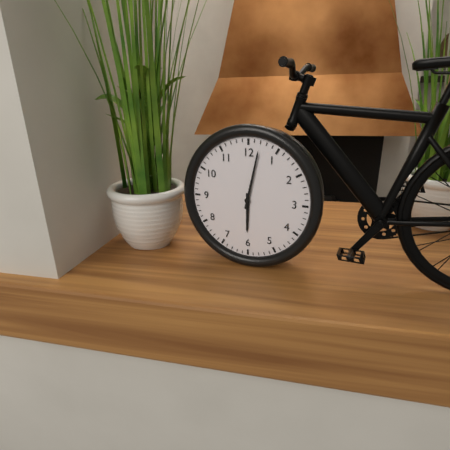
6:02
